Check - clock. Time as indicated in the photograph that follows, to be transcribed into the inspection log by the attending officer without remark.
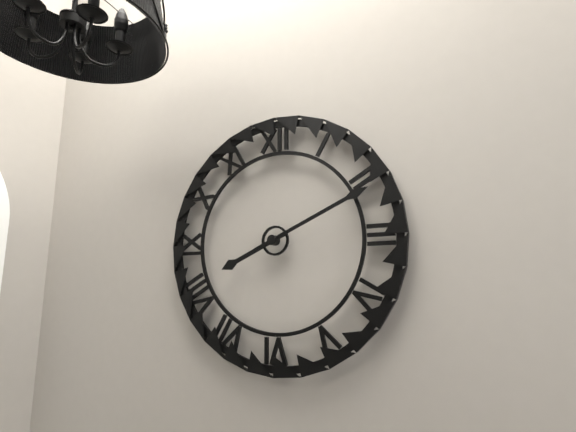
8:11
